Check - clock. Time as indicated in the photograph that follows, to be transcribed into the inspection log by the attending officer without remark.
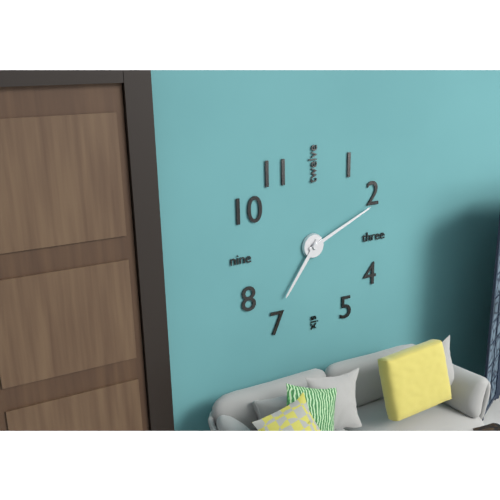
7:11
